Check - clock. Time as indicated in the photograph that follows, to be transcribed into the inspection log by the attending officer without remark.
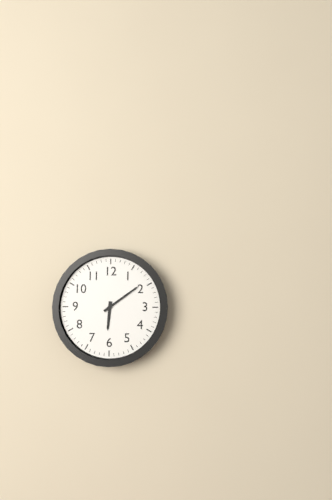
6:09
